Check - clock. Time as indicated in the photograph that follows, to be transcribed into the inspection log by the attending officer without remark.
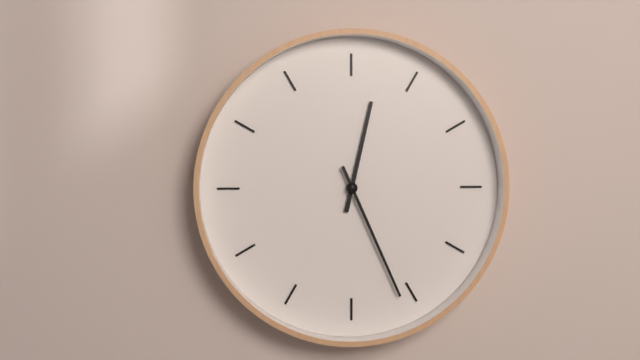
12:26
